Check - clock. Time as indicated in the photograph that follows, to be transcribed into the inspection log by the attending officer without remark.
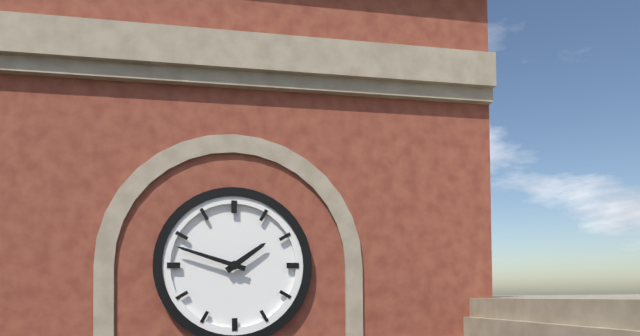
1:48
